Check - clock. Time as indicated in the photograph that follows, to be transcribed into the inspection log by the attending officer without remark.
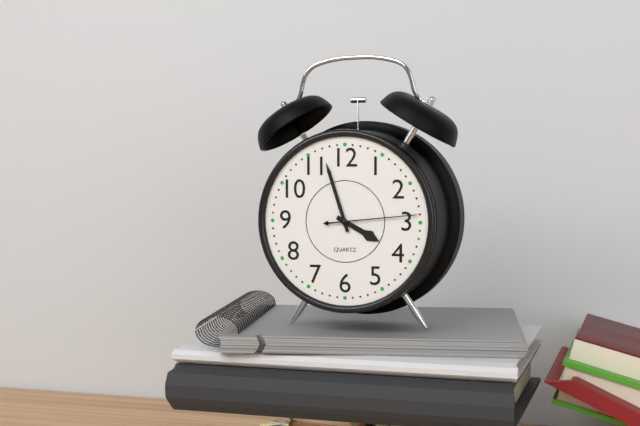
3:57:14
